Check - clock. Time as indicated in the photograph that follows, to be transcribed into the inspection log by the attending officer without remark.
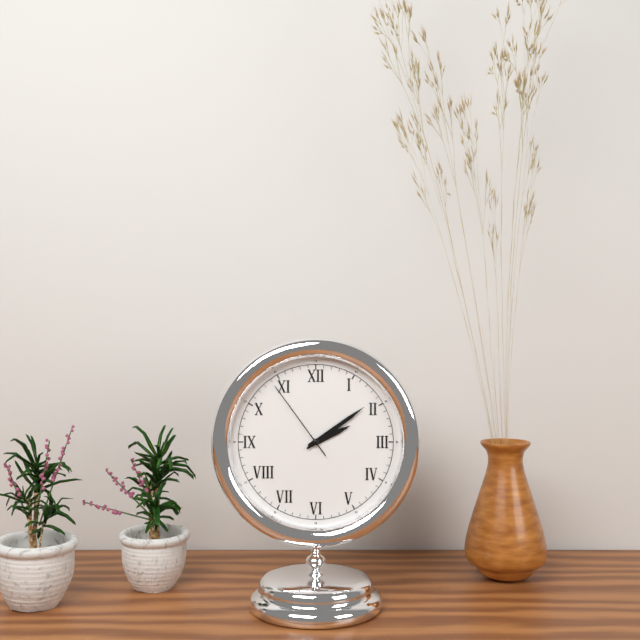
2:09:54
